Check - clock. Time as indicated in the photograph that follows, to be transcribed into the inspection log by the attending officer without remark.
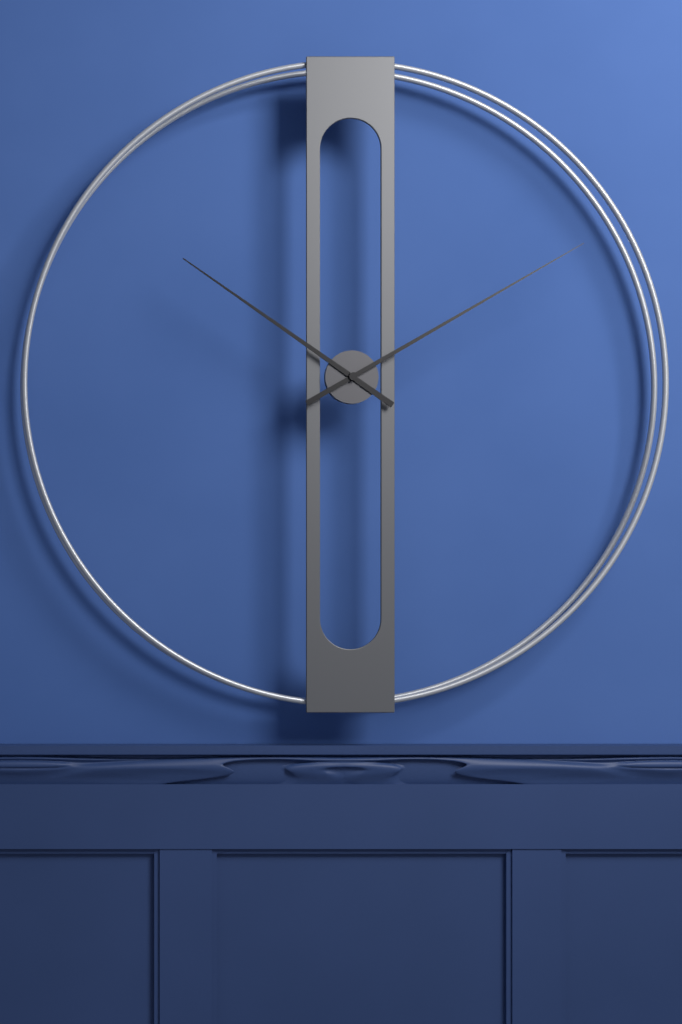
10:10
